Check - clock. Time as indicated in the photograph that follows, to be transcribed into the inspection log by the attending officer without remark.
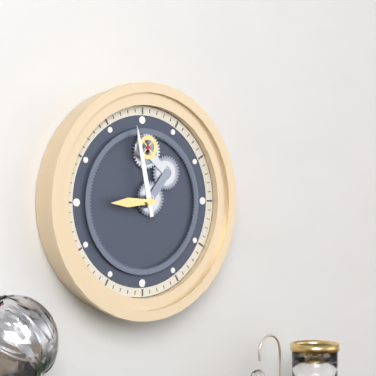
8:58
